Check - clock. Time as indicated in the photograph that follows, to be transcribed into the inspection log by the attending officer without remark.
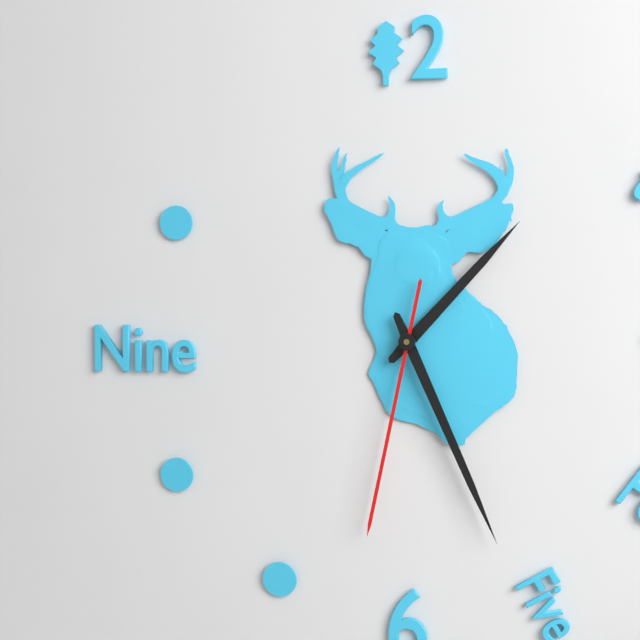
1:26:32
